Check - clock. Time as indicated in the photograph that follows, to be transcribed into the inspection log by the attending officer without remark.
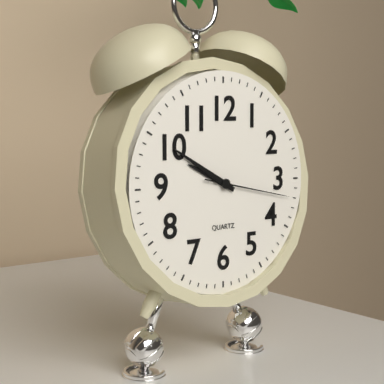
9:50:17
